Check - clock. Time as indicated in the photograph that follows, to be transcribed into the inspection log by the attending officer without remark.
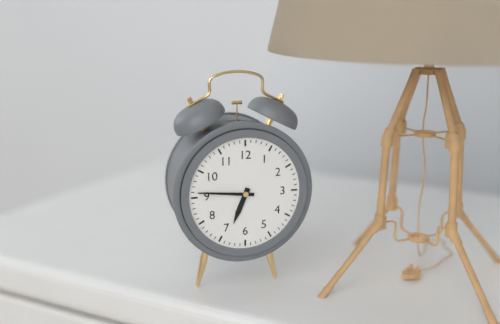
6:46
